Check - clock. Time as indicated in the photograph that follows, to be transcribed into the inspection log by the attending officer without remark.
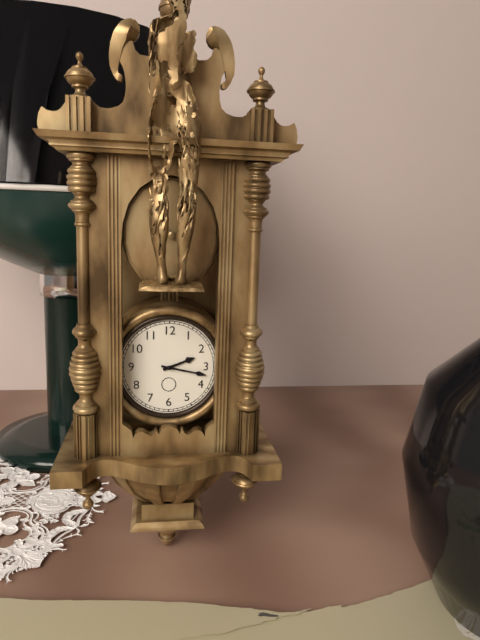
2:17
